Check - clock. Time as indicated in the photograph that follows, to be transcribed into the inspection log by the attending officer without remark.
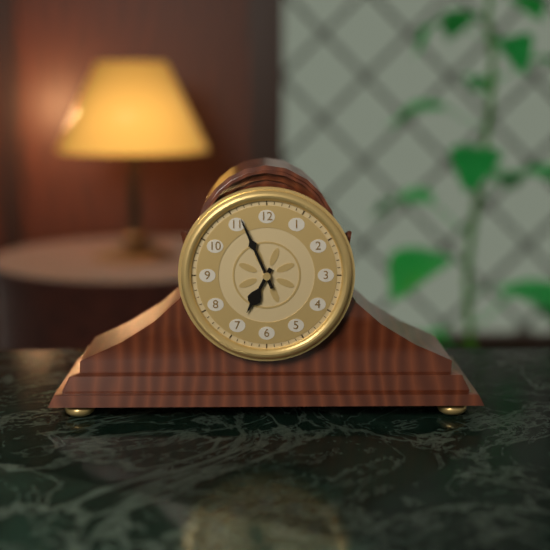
6:56
